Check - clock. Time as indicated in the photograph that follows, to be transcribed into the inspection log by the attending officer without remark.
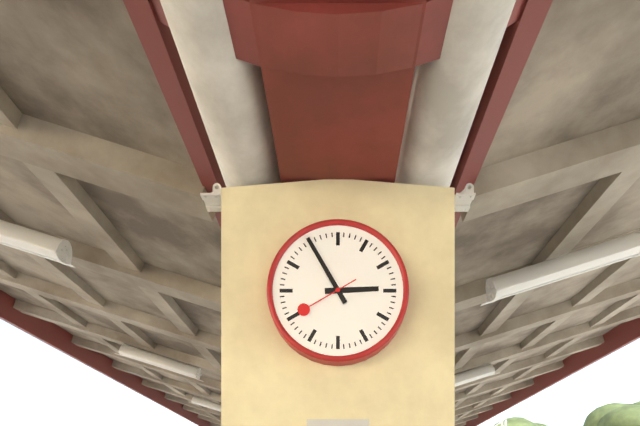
2:55:40
